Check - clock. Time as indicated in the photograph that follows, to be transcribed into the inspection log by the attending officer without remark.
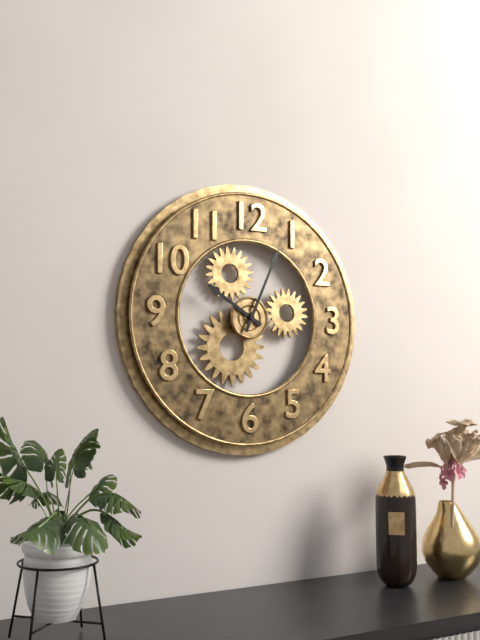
10:04
